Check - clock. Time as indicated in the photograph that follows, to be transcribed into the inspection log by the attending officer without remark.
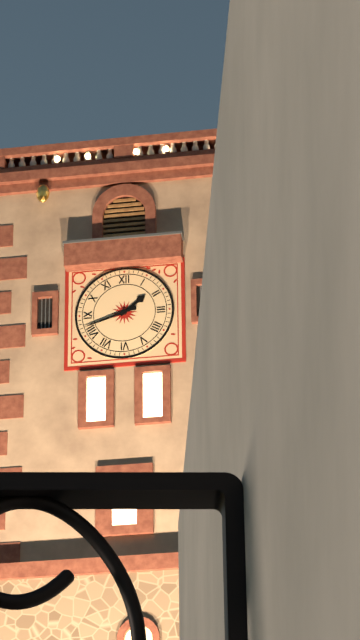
1:42
